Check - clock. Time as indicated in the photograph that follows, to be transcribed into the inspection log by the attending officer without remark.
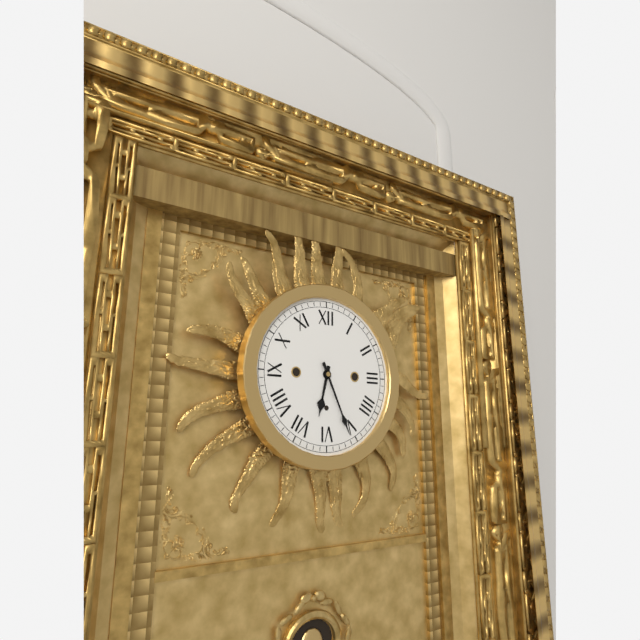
6:26
